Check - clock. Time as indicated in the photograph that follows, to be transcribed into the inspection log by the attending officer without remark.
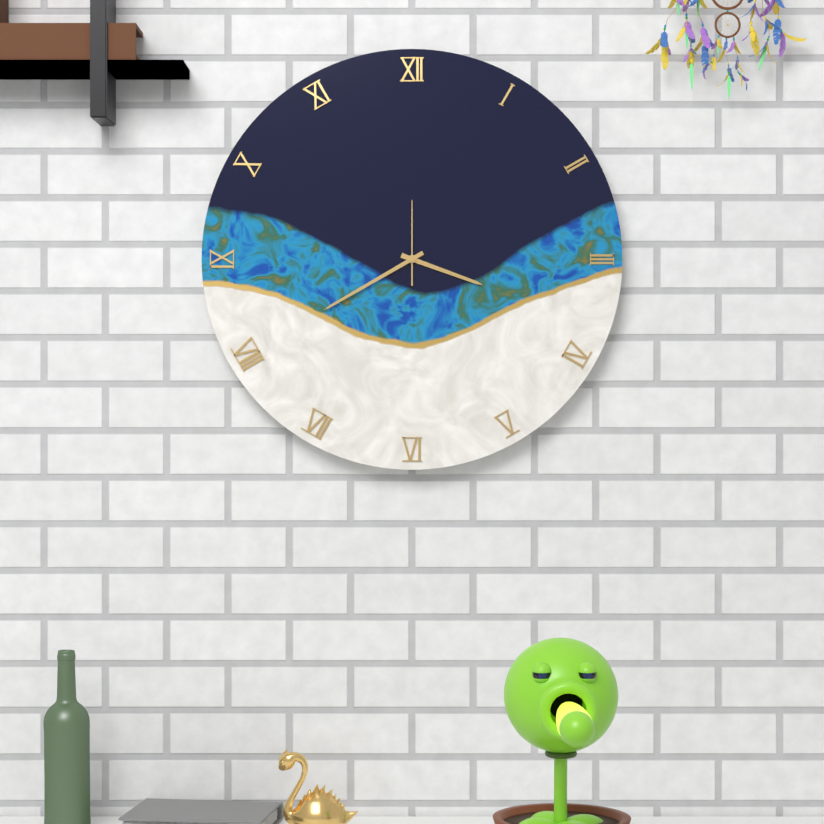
3:40:00
